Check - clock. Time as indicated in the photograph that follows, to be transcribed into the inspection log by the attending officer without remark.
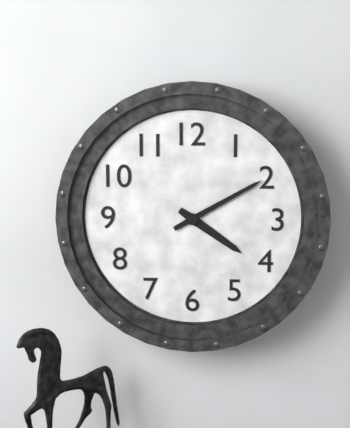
4:10
